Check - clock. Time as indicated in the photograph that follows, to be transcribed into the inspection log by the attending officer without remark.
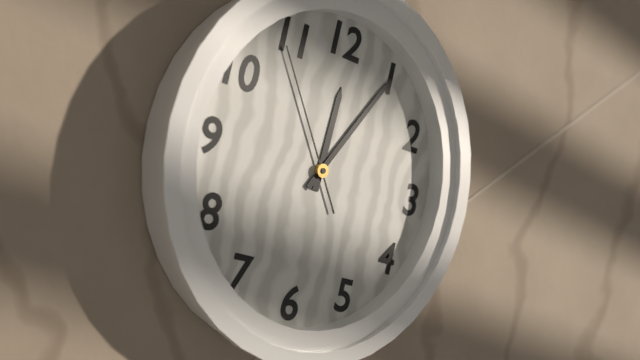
12:05:54
